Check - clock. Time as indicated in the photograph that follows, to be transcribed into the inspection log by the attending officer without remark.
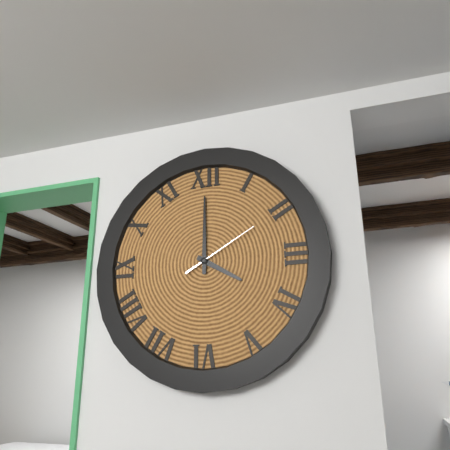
4:00:10
